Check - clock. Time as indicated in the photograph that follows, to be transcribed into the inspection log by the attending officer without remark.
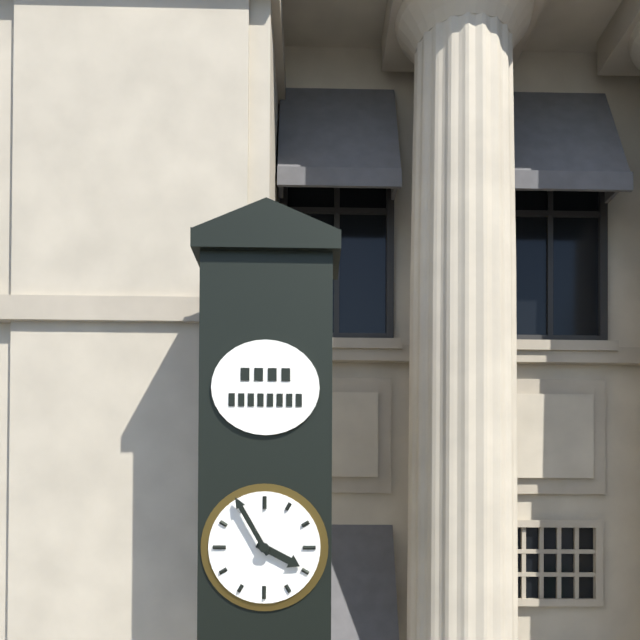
3:55
